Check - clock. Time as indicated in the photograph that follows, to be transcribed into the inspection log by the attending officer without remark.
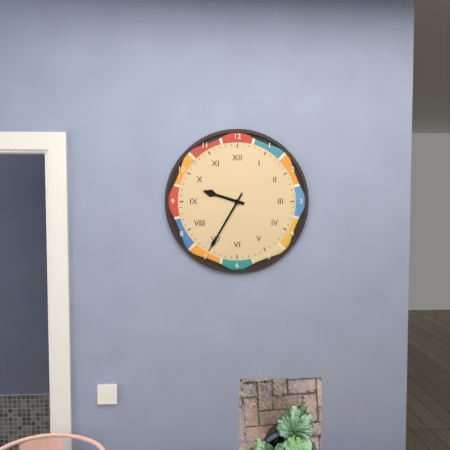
9:35
